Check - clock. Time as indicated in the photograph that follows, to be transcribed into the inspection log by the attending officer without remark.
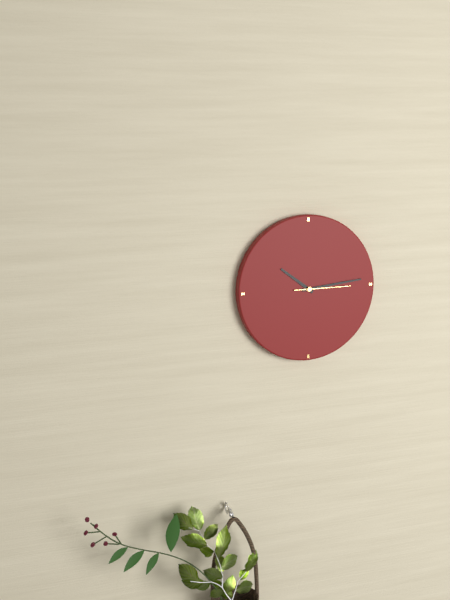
10:14:15
